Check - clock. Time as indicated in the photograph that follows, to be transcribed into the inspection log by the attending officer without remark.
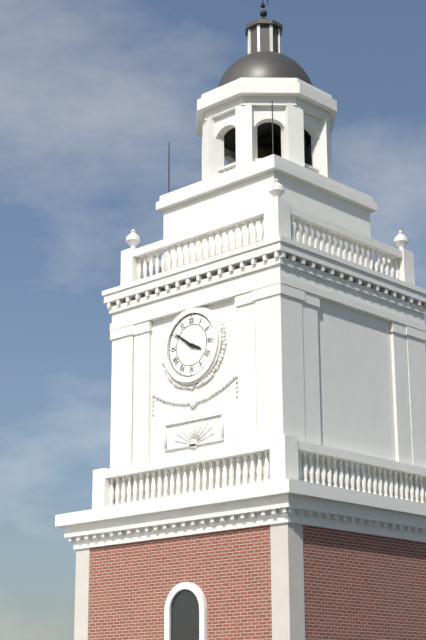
3:51
